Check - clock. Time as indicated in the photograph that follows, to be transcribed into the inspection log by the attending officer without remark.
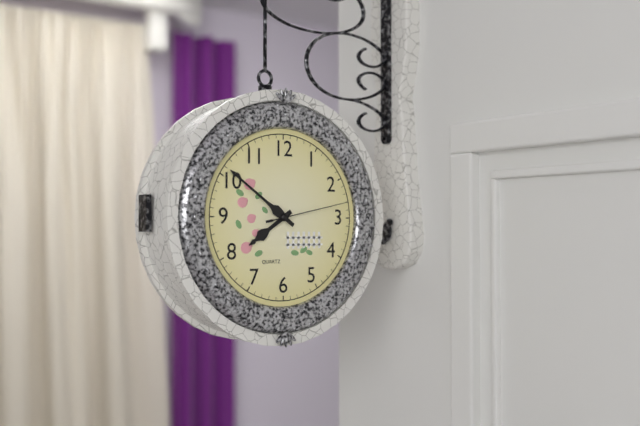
7:51:13
